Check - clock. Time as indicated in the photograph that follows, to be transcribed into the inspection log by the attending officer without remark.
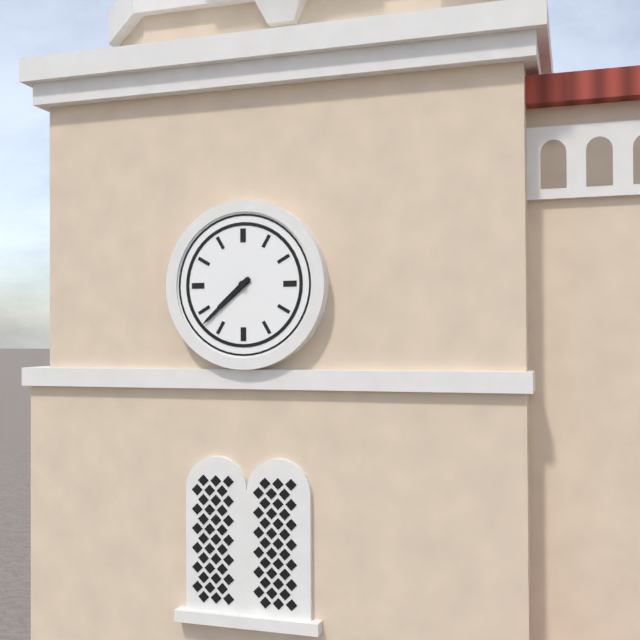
7:38
